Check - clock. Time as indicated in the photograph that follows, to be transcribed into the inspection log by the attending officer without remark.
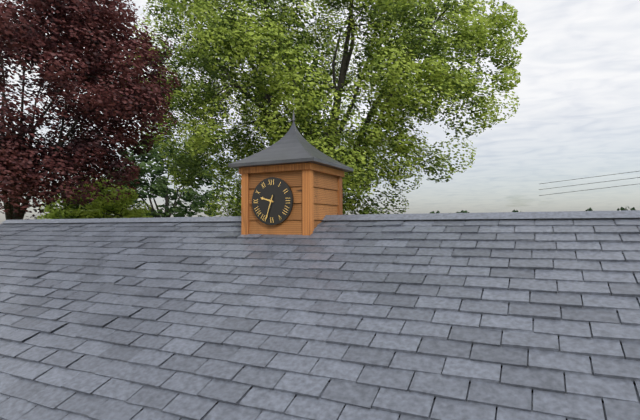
9:33
